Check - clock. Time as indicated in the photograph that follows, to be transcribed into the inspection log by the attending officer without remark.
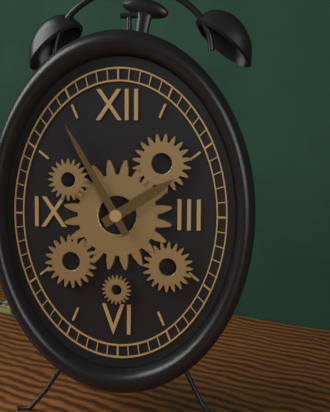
1:55
